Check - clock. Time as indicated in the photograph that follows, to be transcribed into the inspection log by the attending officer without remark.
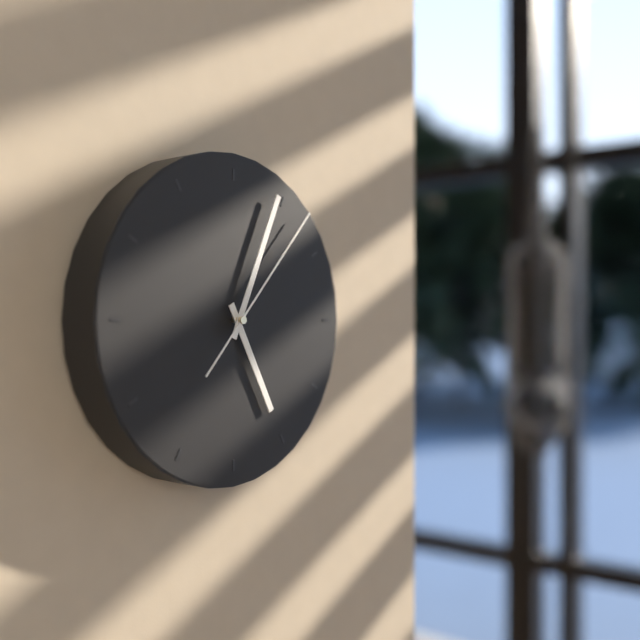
5:04:07
